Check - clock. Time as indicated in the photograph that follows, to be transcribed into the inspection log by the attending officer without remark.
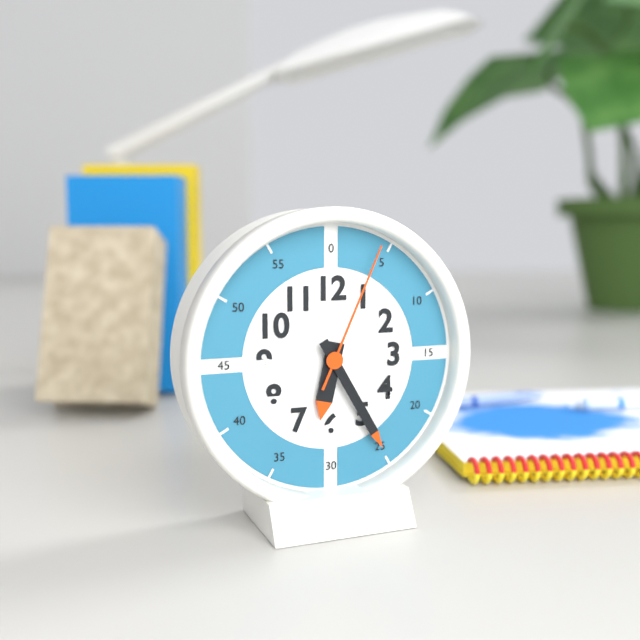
6:25:04
